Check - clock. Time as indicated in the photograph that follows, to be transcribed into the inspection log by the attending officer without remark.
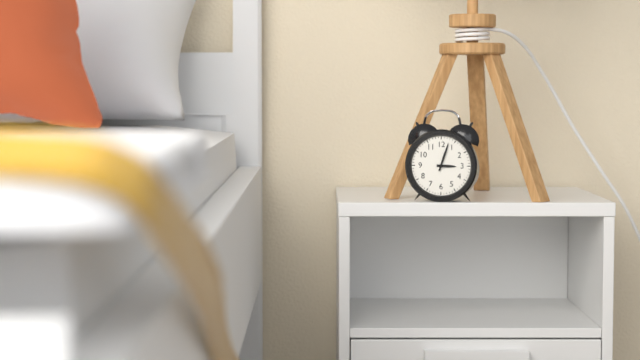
3:03
